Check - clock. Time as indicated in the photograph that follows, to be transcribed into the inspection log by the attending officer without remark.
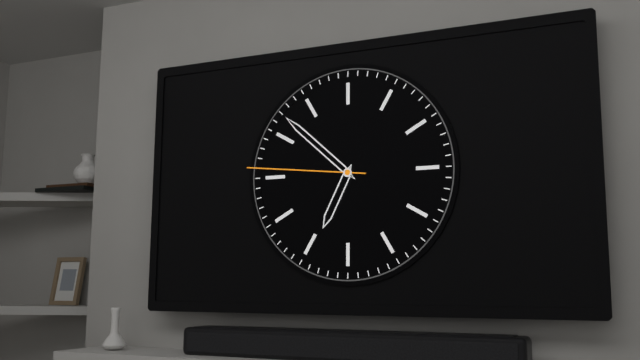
6:52:46
